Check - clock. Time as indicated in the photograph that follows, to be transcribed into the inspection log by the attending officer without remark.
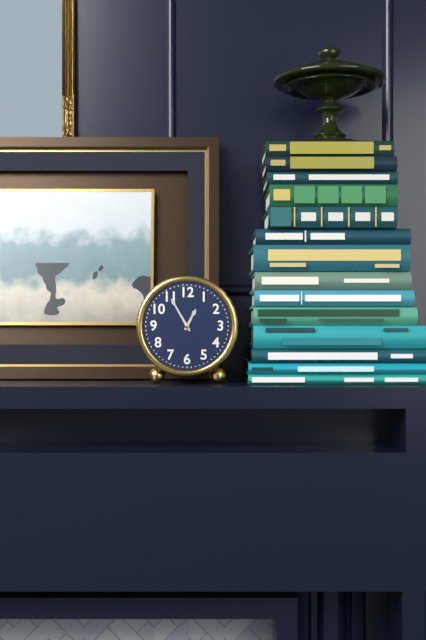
12:55
